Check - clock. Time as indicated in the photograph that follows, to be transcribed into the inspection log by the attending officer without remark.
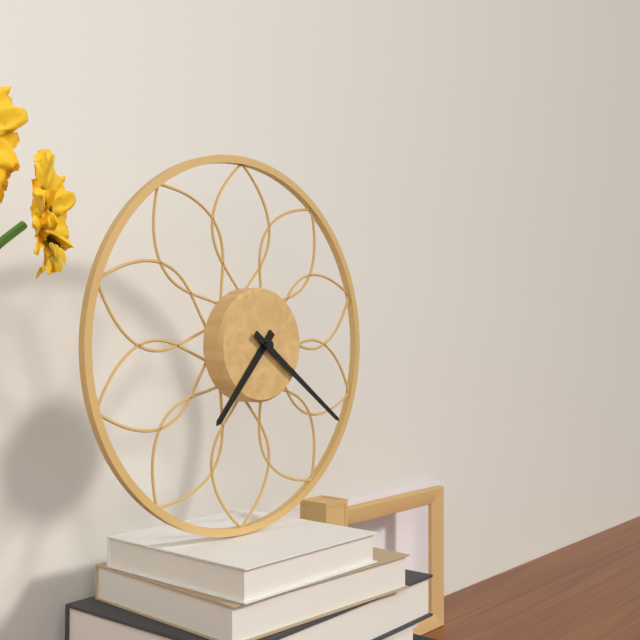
7:21
